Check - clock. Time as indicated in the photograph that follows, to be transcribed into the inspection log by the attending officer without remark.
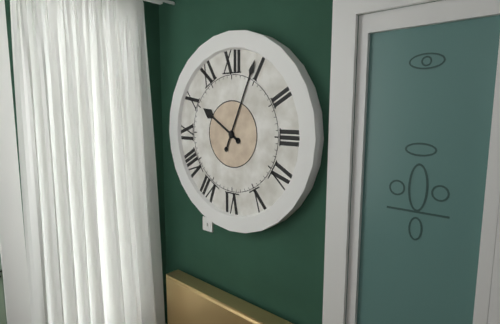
10:04
